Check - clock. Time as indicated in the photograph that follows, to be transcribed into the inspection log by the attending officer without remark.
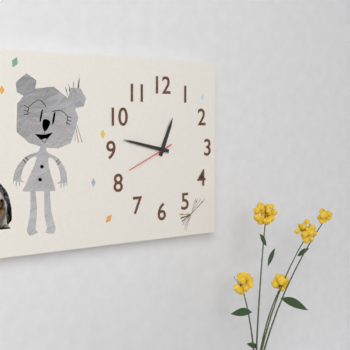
12:47
